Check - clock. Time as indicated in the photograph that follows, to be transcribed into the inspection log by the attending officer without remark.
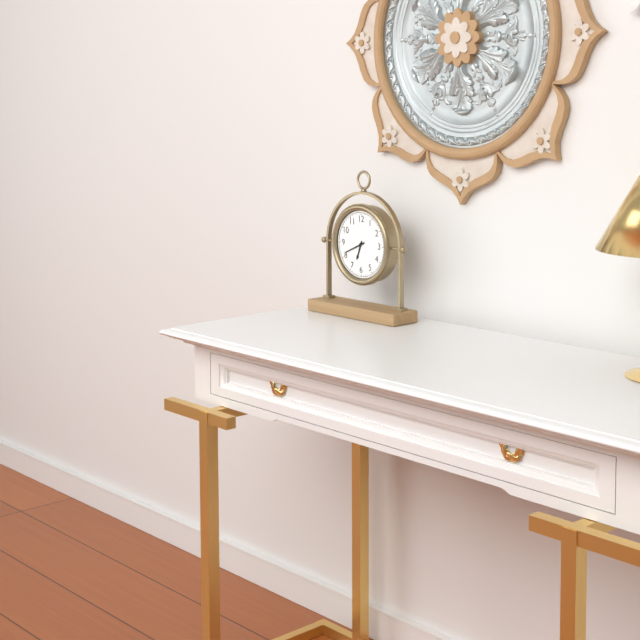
6:41
